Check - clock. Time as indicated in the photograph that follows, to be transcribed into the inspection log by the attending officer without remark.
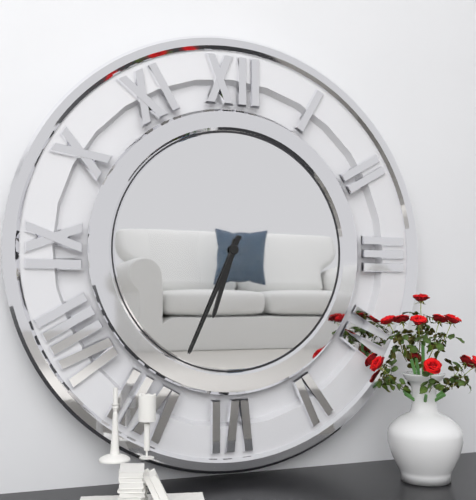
6:34
